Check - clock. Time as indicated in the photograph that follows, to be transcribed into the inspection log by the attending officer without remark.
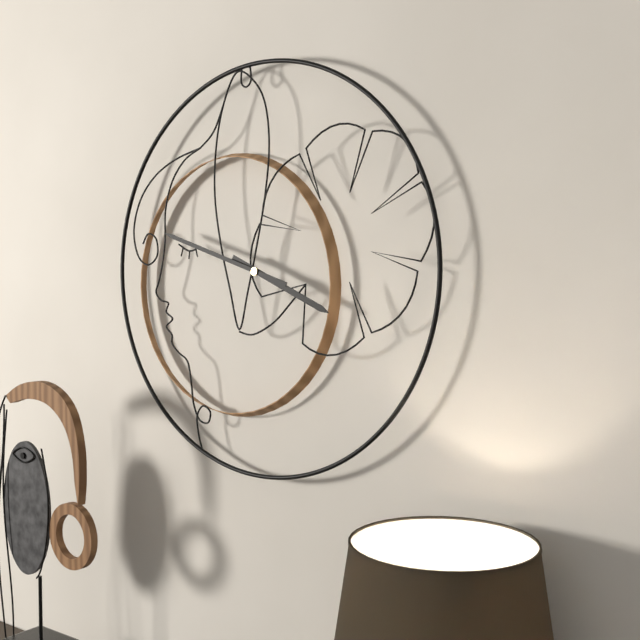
3:48
